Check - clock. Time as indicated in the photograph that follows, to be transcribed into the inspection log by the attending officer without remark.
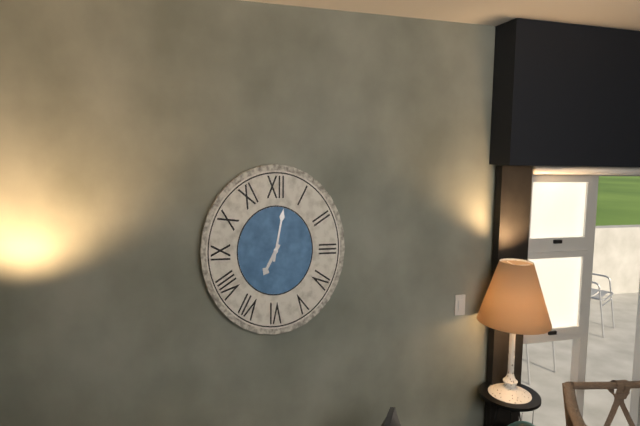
7:02
